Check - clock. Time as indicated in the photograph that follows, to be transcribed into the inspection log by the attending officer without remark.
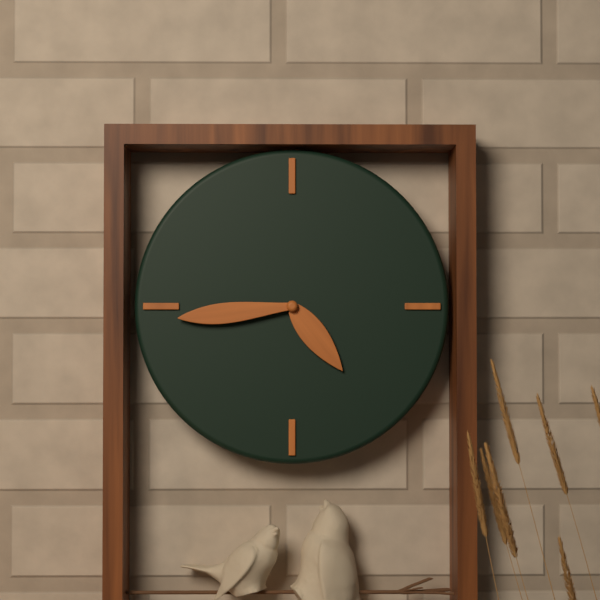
4:44
